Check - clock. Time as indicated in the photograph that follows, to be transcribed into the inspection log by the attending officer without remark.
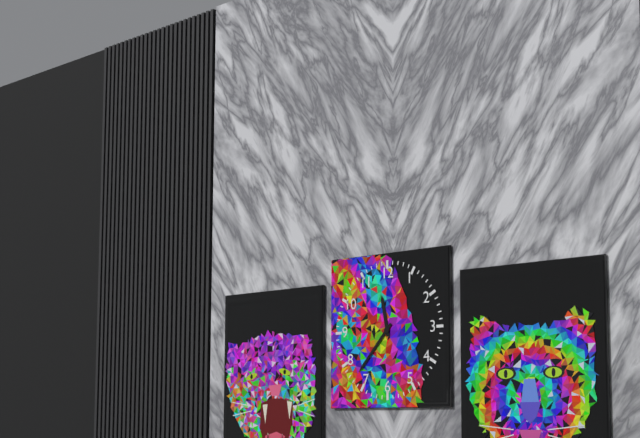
11:37
